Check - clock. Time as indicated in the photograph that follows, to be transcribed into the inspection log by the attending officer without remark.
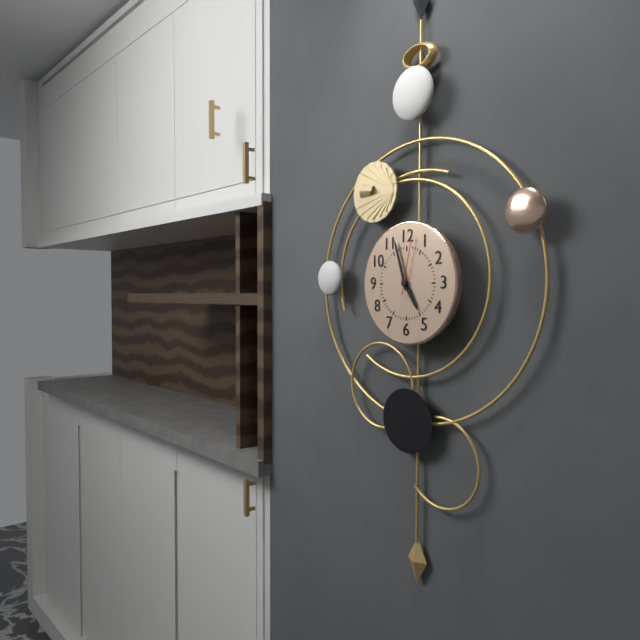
4:57:02
